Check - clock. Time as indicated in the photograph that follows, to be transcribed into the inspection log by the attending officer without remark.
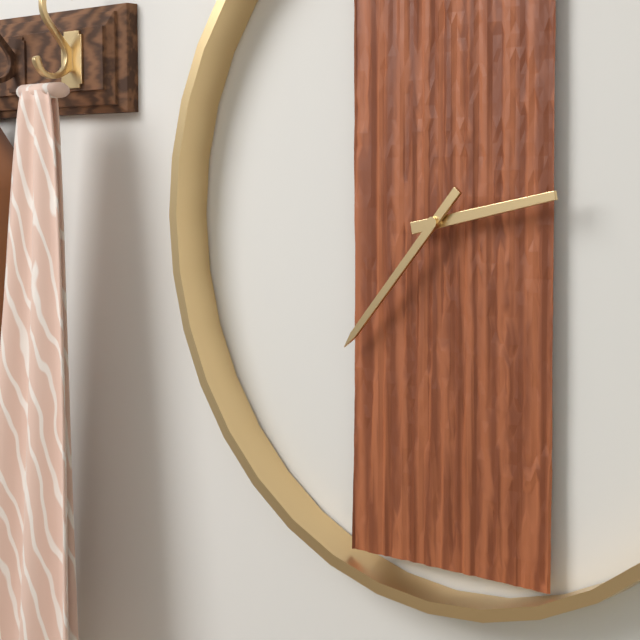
2:37
